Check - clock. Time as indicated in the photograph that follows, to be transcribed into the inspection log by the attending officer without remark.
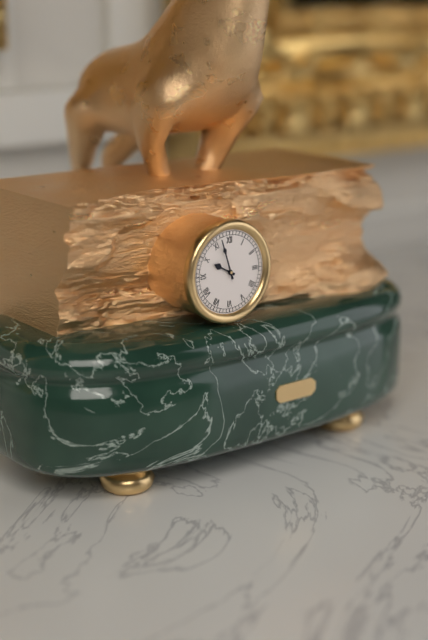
9:57
